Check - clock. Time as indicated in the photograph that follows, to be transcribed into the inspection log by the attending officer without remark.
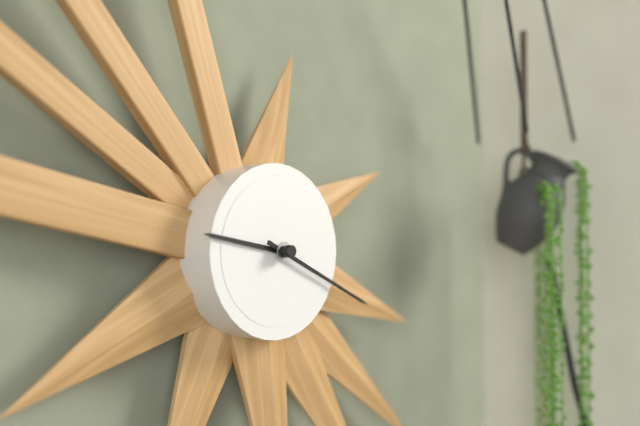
9:19
